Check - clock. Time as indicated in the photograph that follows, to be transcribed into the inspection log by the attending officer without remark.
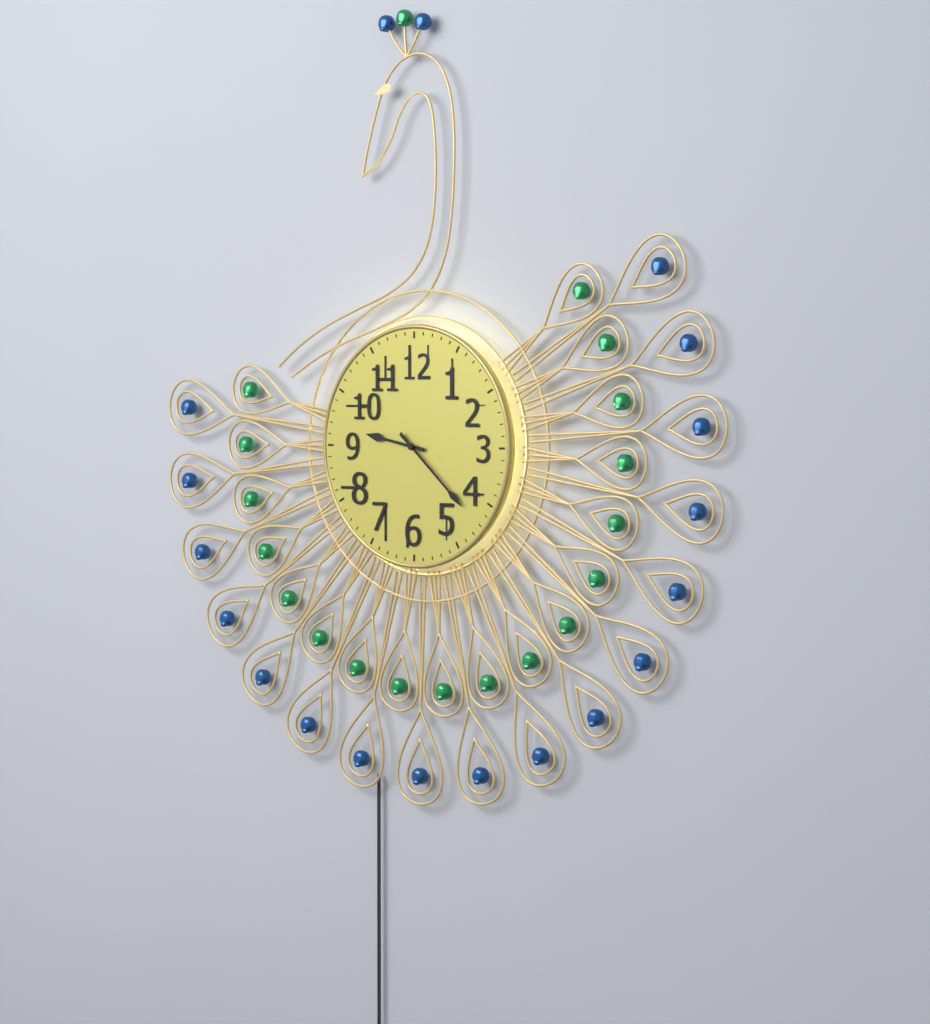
9:22
